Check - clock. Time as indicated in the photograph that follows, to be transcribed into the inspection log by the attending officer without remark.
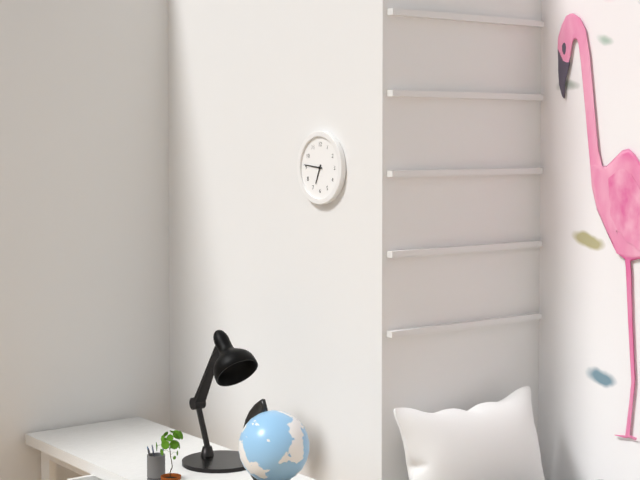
6:46
